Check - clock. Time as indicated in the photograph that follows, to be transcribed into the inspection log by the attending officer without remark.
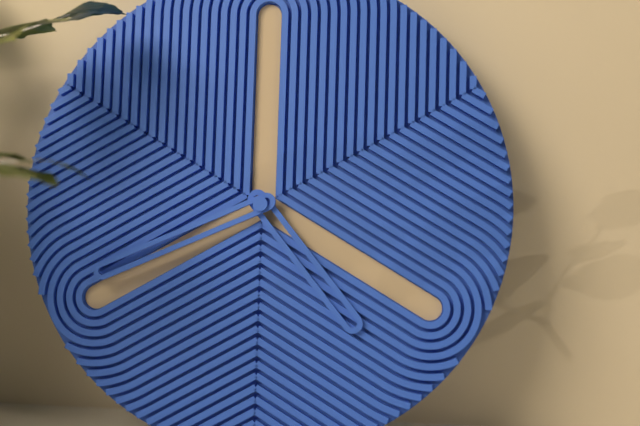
4:41
